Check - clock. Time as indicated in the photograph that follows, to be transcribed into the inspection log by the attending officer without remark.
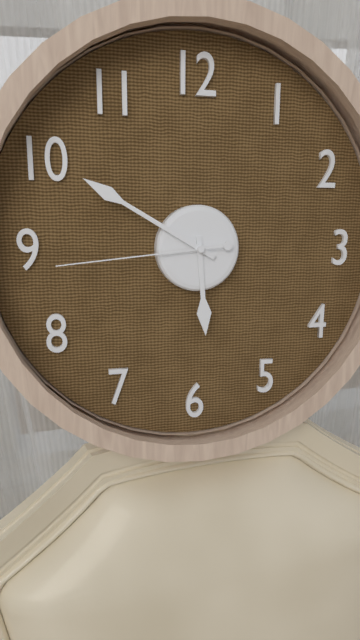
5:50:44
